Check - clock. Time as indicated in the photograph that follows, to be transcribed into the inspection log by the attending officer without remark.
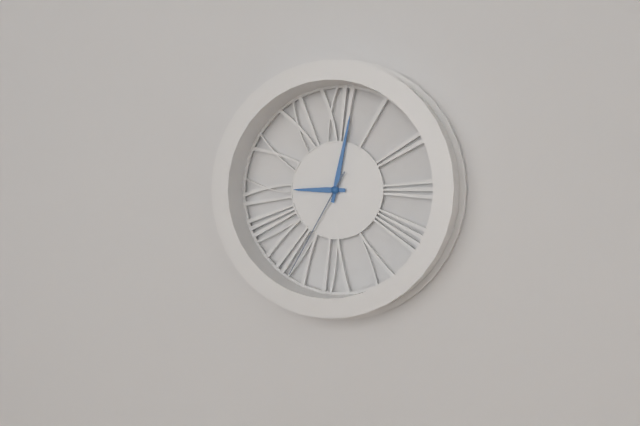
9:02:35
